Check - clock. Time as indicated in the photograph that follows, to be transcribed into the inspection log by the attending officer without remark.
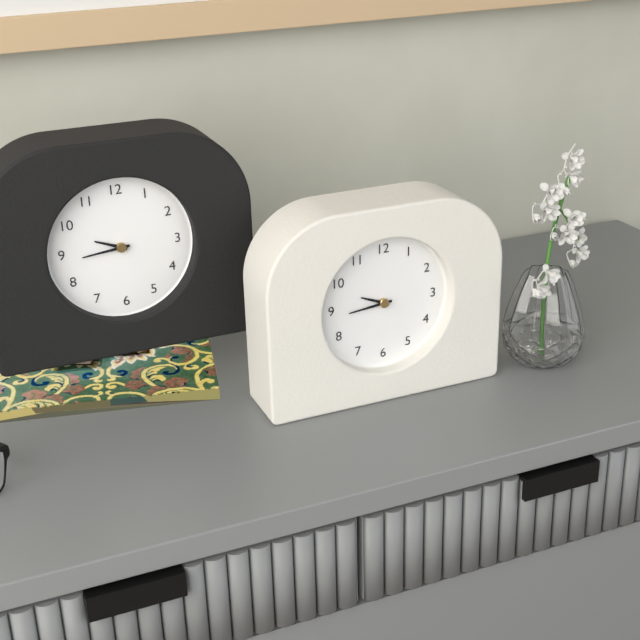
9:44
